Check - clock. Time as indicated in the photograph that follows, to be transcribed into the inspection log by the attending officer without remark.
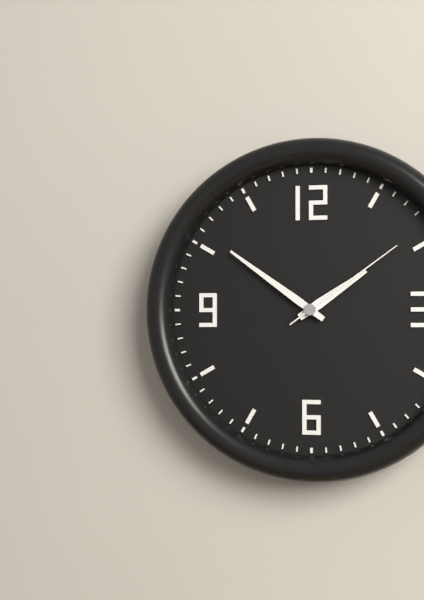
1:51:09
